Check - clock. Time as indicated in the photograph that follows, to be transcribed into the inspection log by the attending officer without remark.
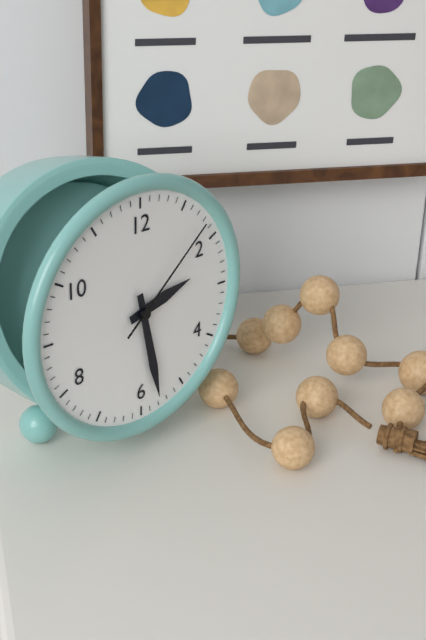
2:28:08
